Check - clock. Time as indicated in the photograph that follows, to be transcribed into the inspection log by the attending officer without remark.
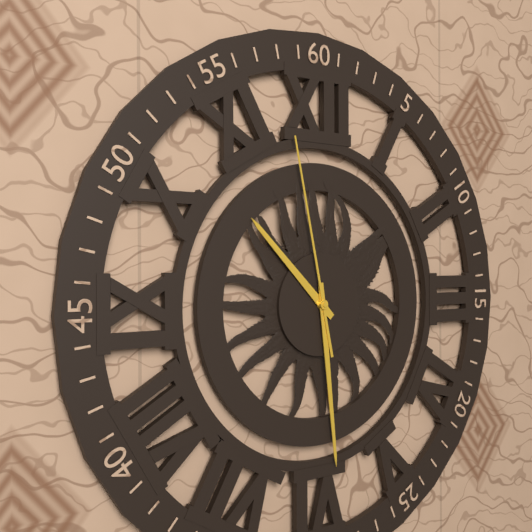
10:29:58
